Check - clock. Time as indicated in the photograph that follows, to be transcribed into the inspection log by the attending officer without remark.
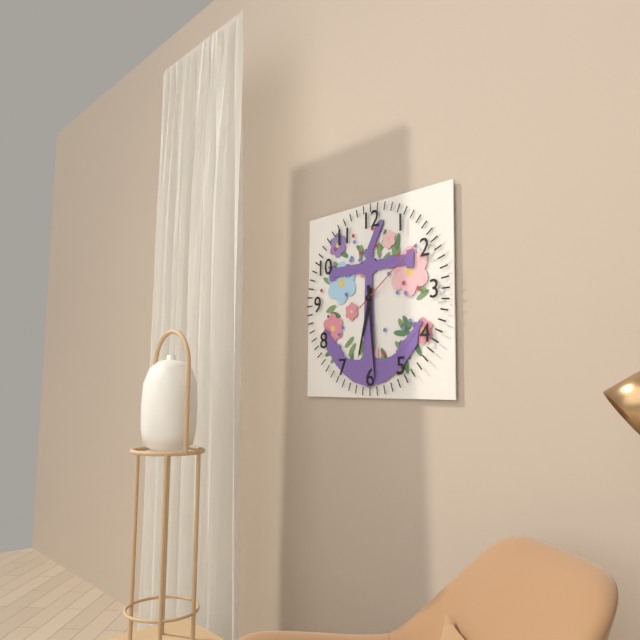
6:29:09
